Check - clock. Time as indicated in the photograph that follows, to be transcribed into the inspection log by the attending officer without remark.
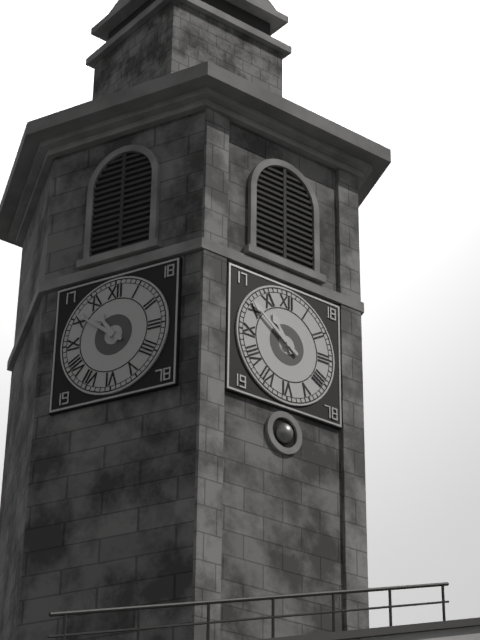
10:51
